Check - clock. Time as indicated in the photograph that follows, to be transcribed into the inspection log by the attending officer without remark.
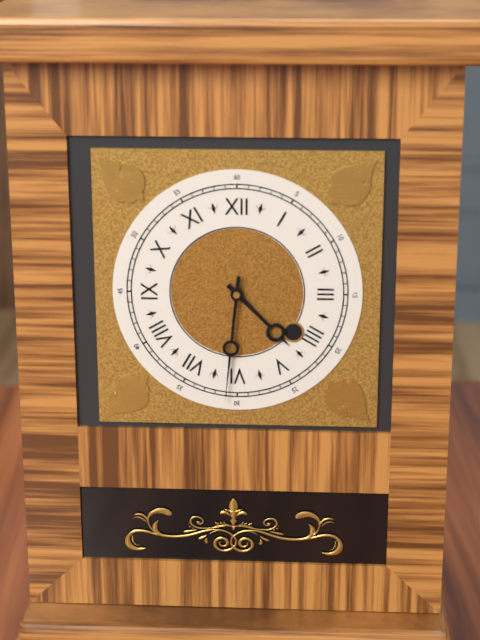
4:31
